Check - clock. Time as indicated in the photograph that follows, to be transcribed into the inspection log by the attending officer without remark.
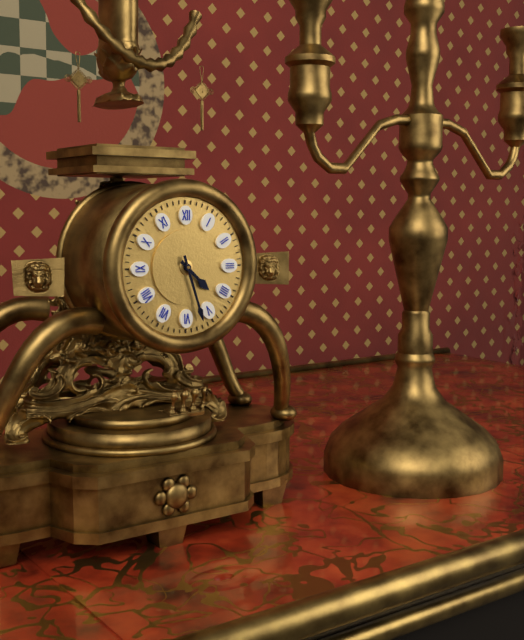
4:27
